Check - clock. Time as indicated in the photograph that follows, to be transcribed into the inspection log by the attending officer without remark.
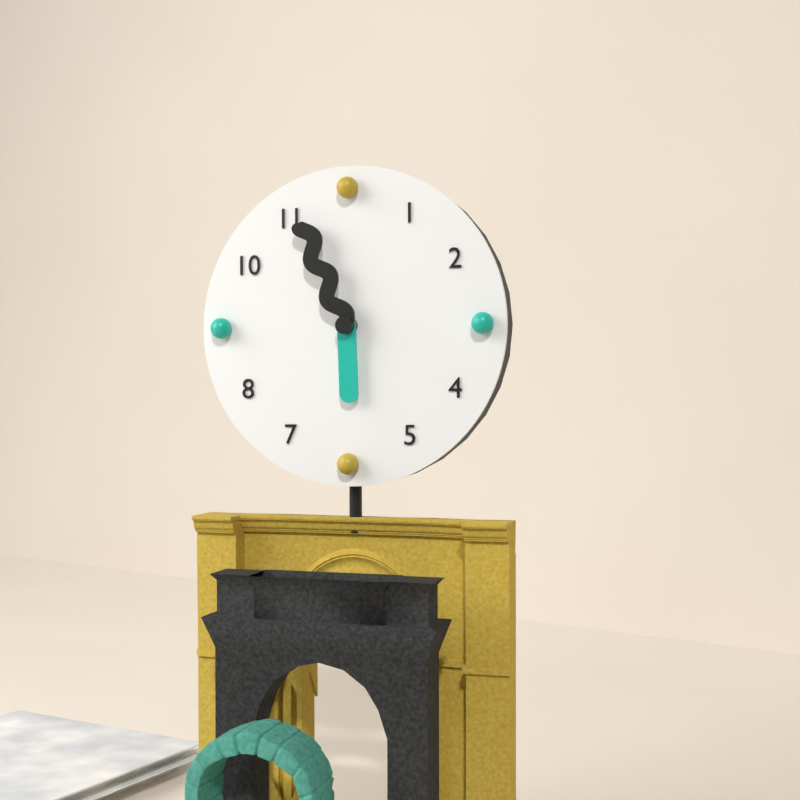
5:56
